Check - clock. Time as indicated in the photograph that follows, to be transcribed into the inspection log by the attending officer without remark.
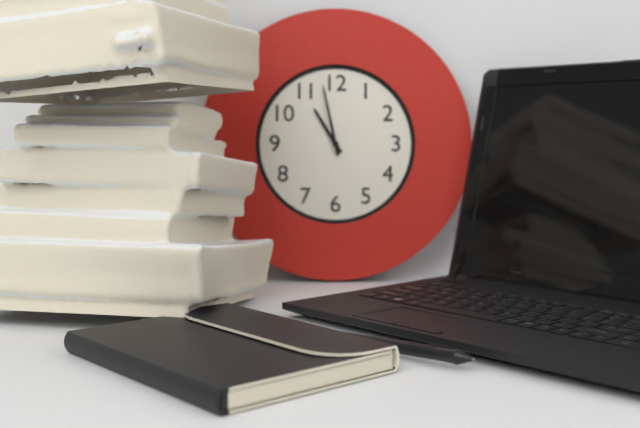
10:58
